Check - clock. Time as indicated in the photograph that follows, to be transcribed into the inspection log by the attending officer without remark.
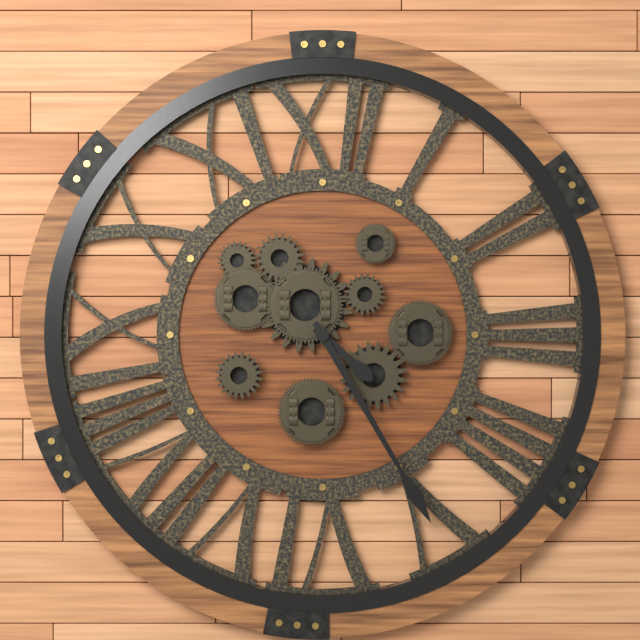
4:25
